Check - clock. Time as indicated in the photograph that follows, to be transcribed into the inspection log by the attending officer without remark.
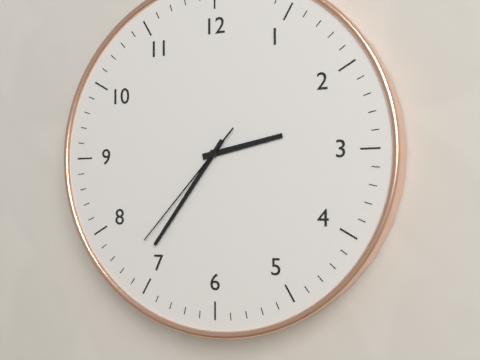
2:36:37
